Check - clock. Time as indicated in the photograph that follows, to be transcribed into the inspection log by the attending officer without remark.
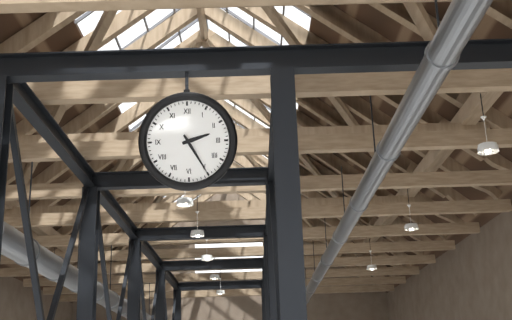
2:25
